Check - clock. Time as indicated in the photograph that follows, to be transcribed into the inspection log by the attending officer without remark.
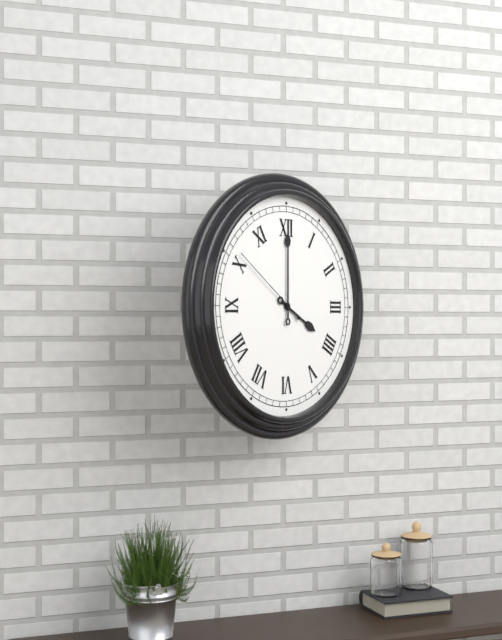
4:00:51
